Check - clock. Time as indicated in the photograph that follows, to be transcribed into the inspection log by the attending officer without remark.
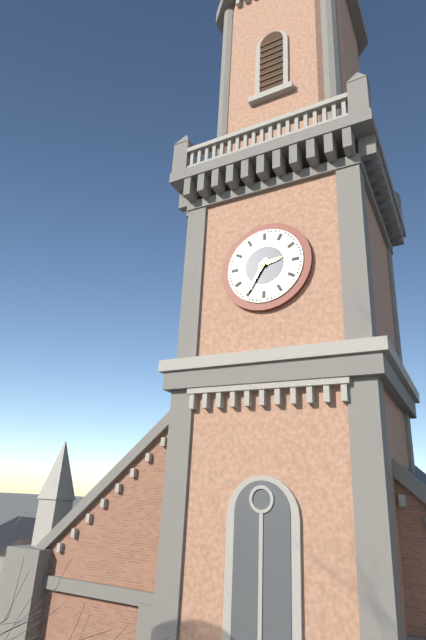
2:35
